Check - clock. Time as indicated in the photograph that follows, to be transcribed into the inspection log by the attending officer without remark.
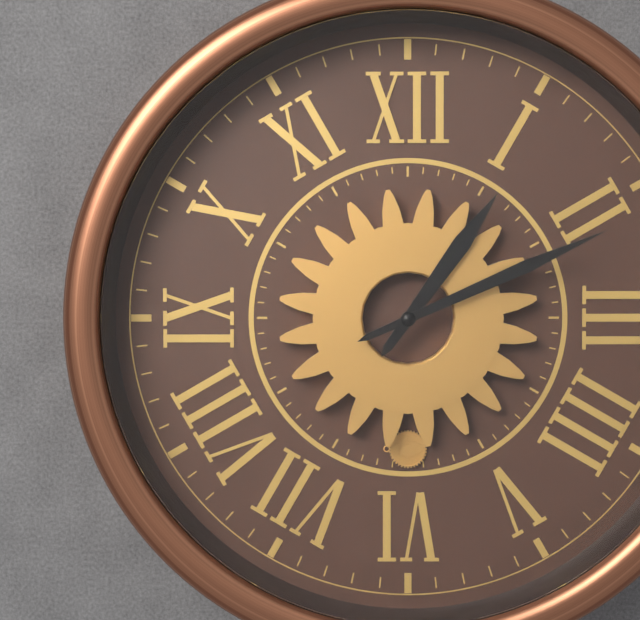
1:11
